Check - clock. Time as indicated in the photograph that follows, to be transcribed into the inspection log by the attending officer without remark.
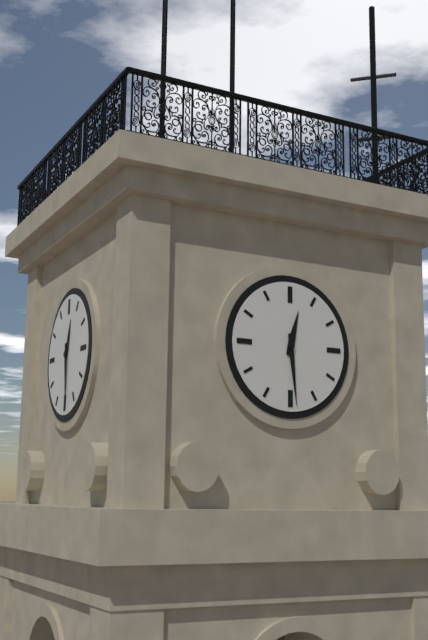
12:29
